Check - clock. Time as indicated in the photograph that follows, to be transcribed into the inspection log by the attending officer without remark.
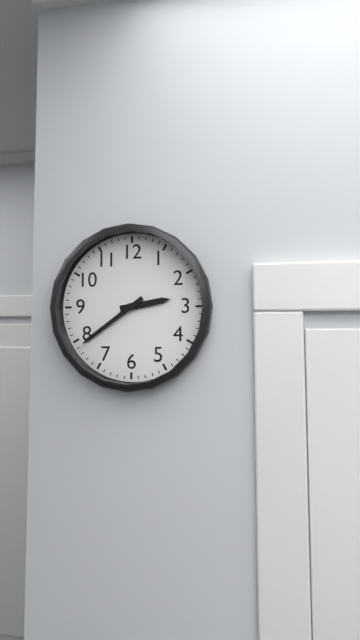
2:39
